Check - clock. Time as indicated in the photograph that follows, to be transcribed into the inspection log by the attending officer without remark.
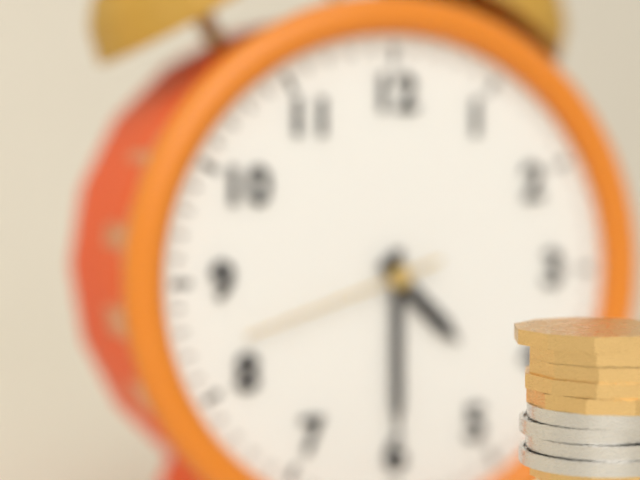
4:30:42
